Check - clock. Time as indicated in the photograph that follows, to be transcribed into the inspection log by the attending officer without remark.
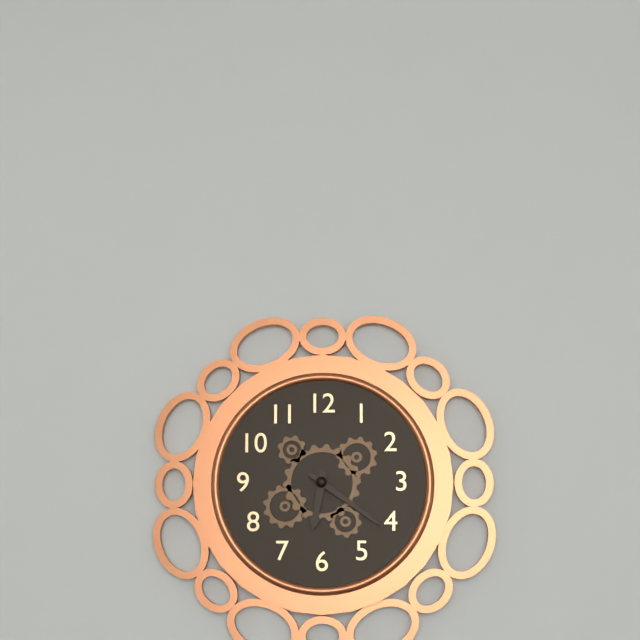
6:21
